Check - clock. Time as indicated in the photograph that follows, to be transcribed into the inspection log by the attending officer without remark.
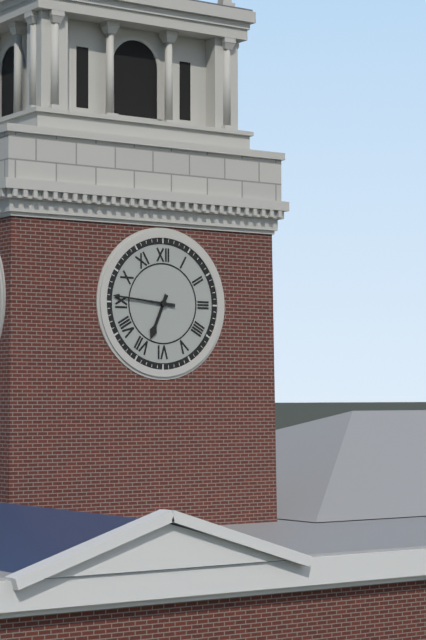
6:46
